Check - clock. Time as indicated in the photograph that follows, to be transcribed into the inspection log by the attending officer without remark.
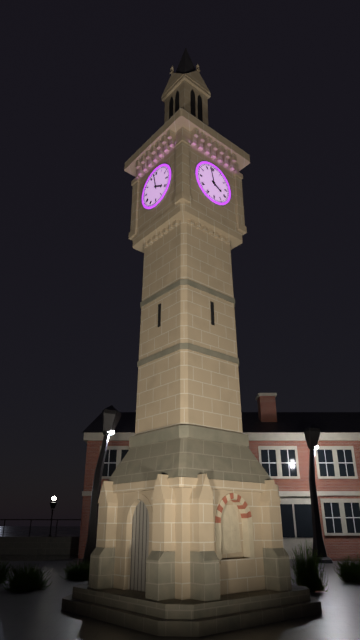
3:58
